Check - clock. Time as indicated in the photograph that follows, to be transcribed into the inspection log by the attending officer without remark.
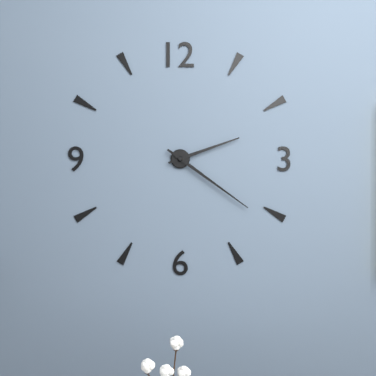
2:21
